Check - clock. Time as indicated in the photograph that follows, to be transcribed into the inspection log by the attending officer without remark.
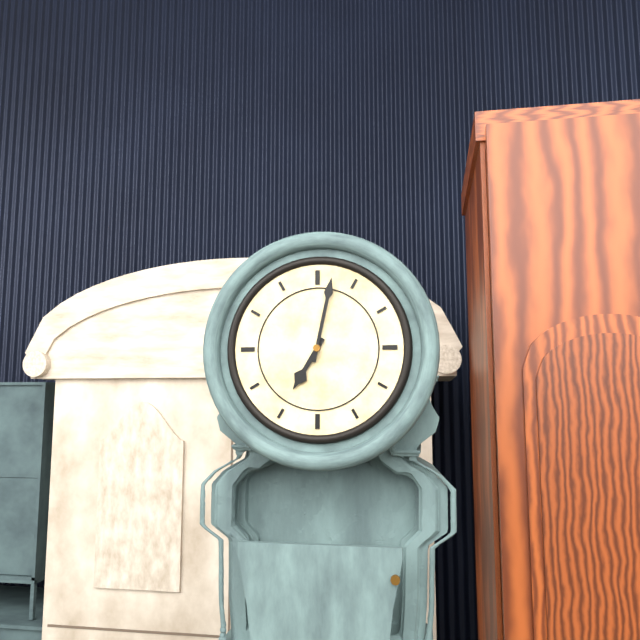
7:02
